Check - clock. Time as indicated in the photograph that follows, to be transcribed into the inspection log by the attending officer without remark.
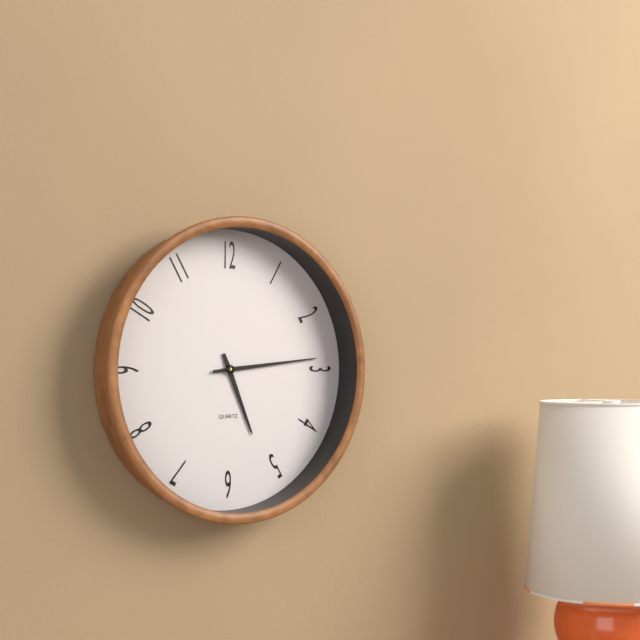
5:14
